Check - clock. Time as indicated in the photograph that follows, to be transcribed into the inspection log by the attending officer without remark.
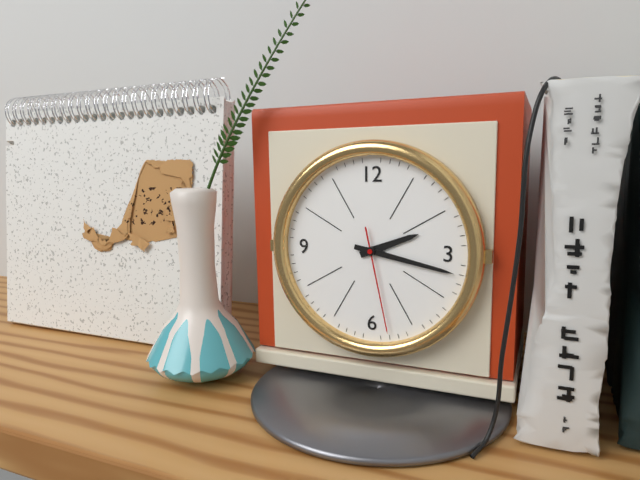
2:17:28
